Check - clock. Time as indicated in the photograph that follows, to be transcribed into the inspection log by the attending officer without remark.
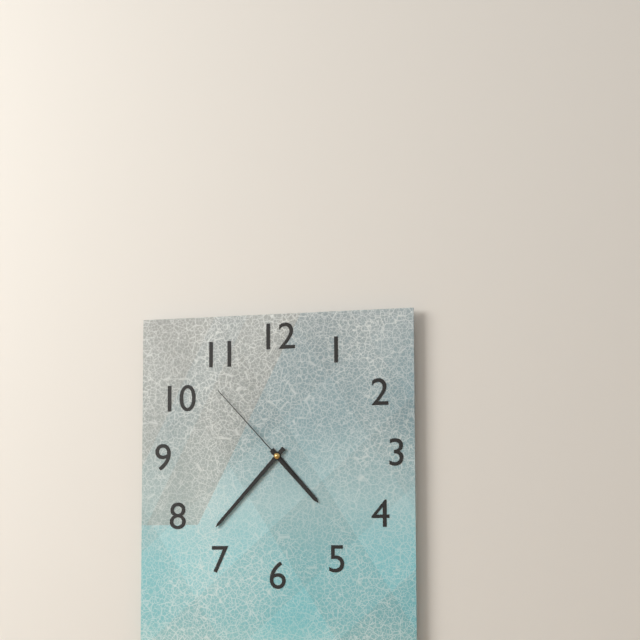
4:37:53
